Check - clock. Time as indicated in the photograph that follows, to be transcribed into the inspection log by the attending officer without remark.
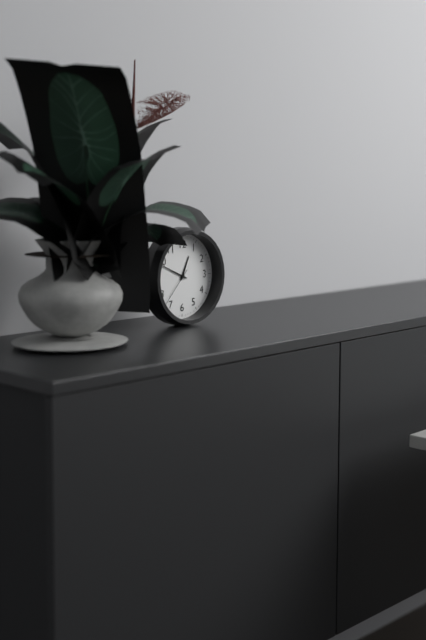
12:49
